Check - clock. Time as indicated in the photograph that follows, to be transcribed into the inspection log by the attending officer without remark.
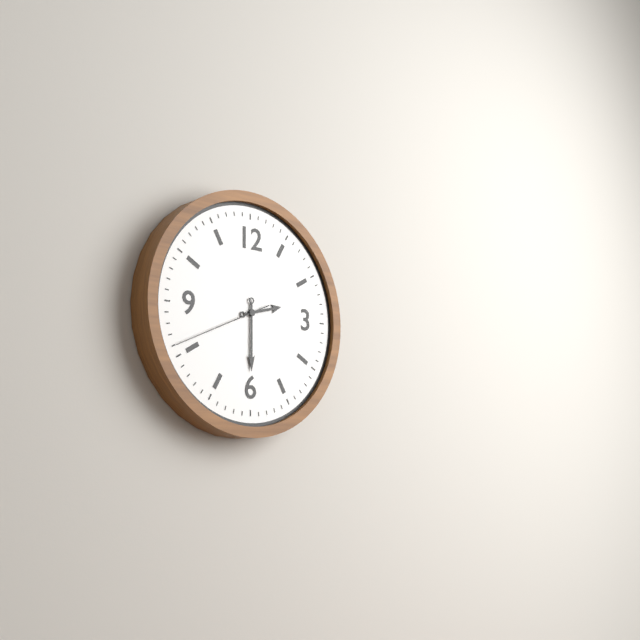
2:30:41
